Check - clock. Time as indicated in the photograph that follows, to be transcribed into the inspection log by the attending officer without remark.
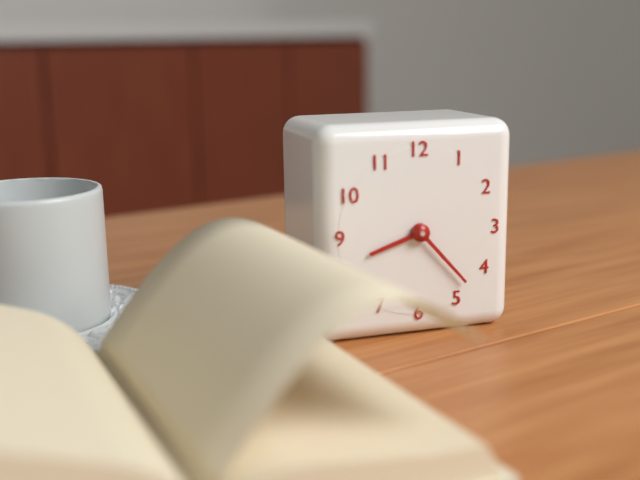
8:23
